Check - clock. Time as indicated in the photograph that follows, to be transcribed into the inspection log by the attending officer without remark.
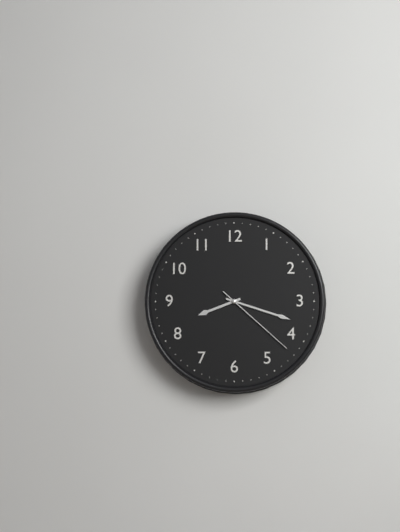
8:18:22
